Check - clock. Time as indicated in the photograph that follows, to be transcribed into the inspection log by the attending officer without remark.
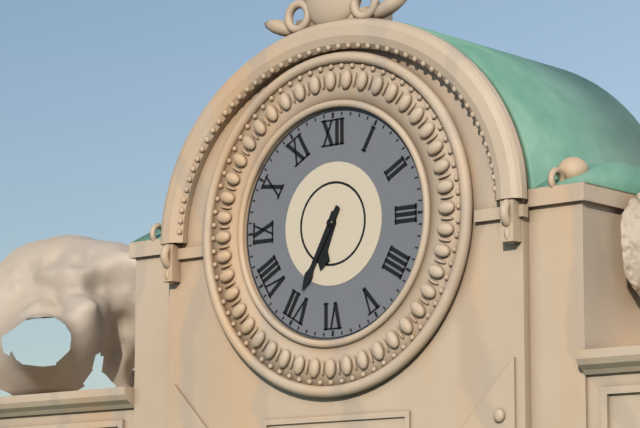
6:35
